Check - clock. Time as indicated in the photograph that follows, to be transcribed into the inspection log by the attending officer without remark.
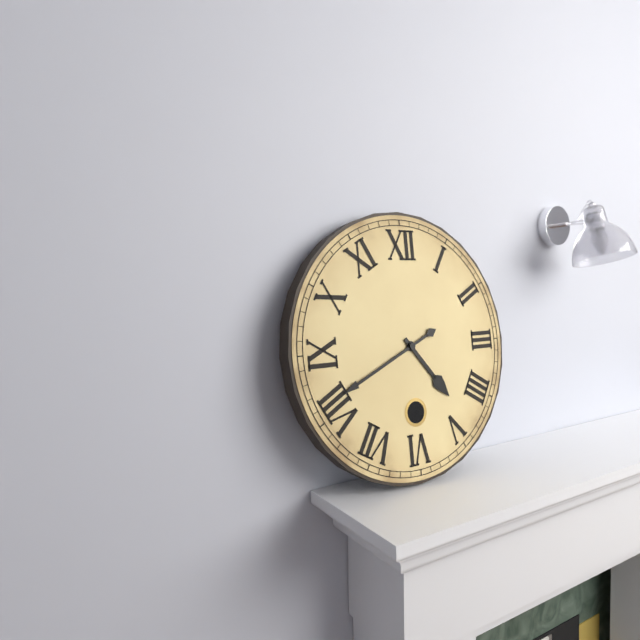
4:41
